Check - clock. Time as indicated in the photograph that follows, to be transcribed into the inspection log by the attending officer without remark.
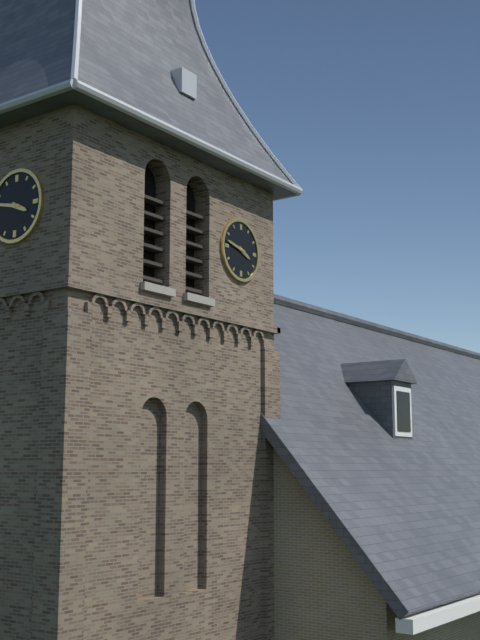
3:47
